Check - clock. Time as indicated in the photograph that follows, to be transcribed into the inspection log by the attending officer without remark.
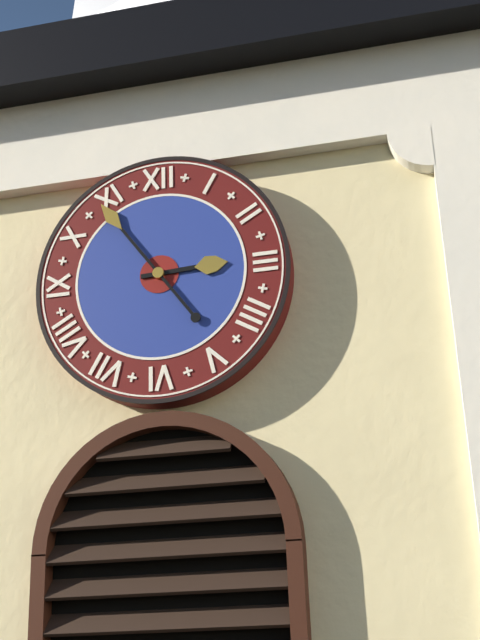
2:54
